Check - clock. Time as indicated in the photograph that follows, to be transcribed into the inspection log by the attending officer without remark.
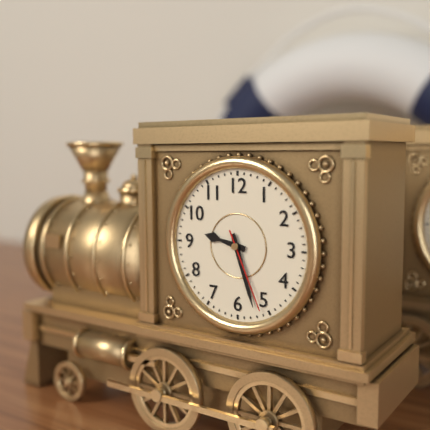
9:27:26
